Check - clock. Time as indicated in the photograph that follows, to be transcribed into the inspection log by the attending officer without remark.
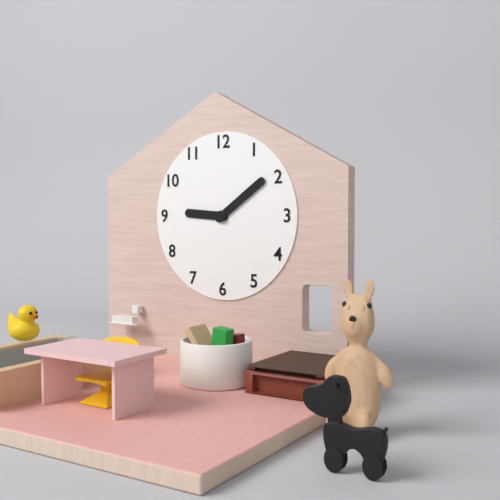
9:09
